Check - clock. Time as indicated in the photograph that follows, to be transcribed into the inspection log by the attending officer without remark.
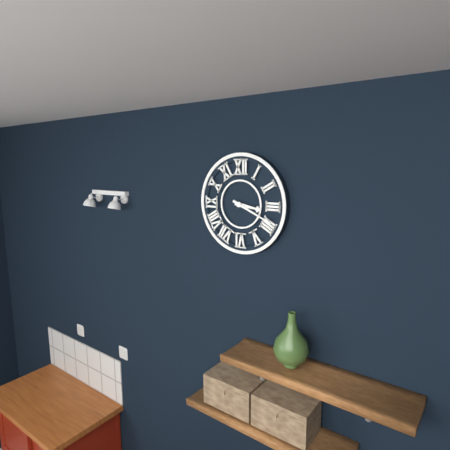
3:19
